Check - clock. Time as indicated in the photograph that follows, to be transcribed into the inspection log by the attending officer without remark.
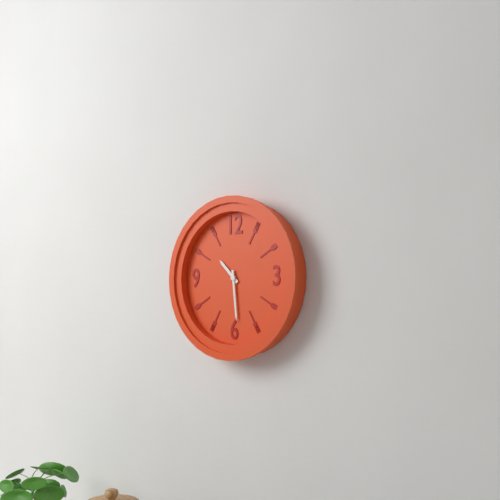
10:29
